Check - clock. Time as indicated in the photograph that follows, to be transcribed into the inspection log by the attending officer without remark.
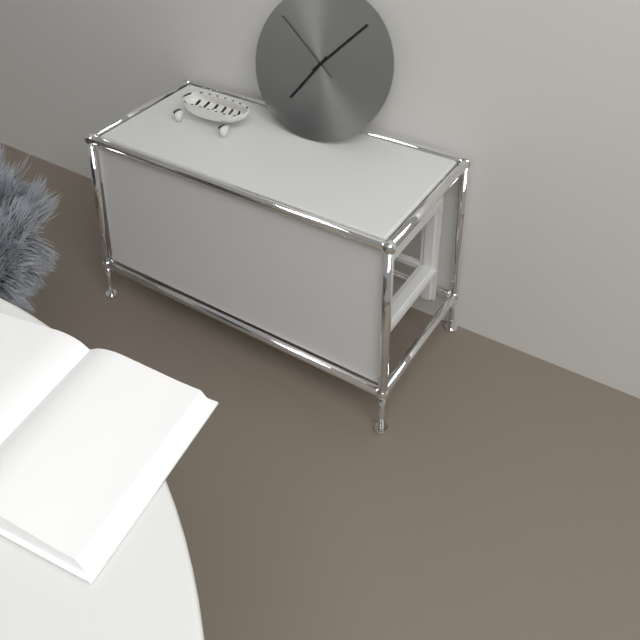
7:07:51
